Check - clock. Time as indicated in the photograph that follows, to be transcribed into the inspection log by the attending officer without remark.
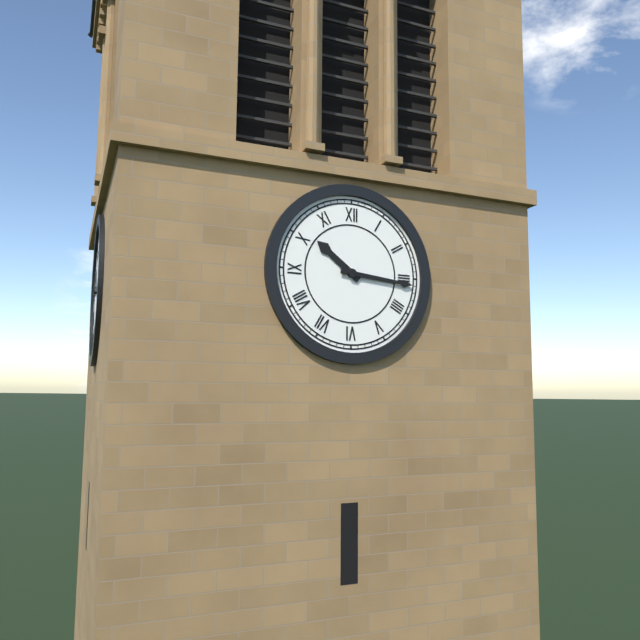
10:16
